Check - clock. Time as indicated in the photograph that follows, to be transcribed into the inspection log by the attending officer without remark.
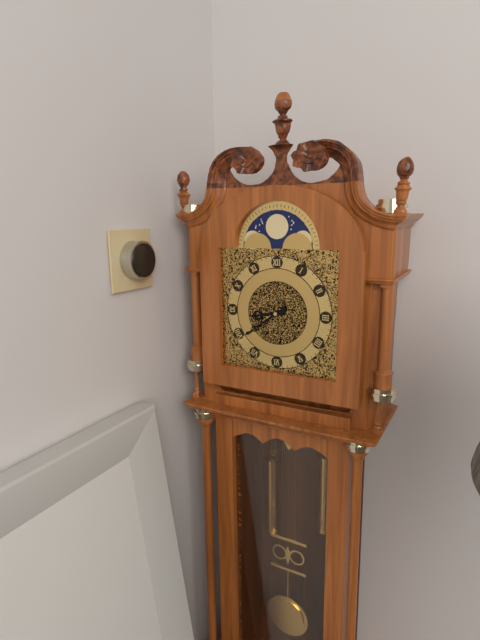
8:39
